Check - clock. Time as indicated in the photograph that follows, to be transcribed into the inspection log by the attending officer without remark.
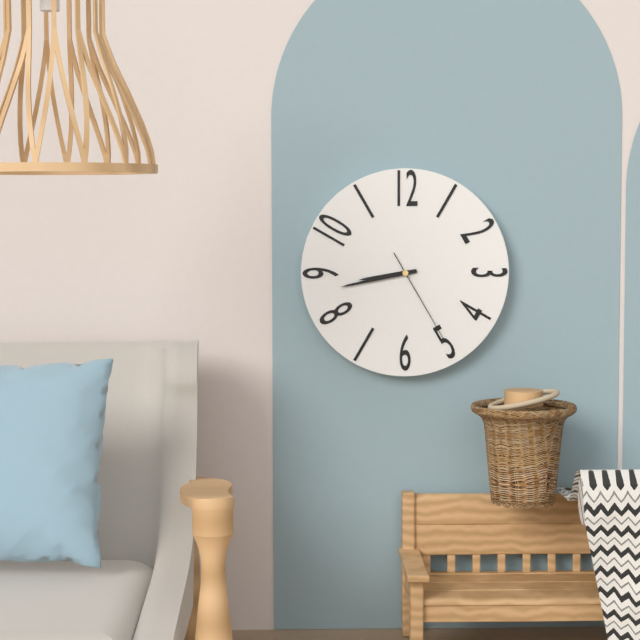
8:43:25
